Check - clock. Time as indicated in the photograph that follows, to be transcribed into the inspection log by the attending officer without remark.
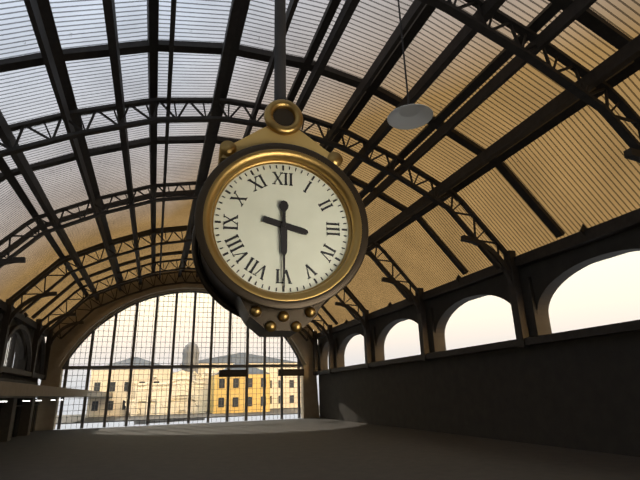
3:30
